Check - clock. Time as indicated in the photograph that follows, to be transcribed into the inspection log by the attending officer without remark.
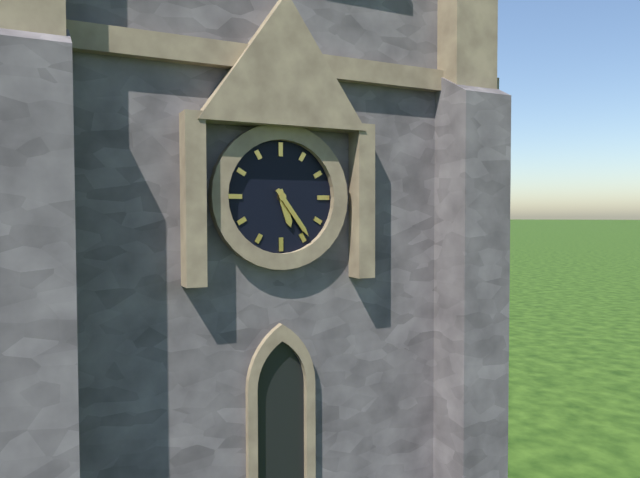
5:24
